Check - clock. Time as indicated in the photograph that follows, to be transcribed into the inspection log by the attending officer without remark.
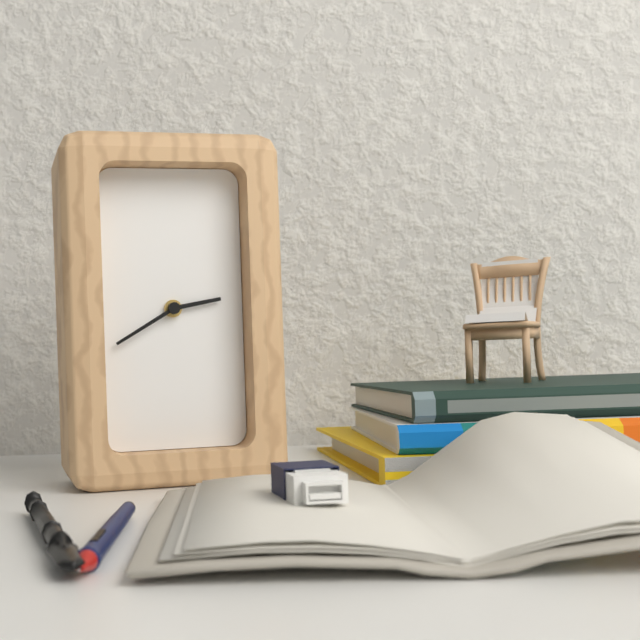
2:40
